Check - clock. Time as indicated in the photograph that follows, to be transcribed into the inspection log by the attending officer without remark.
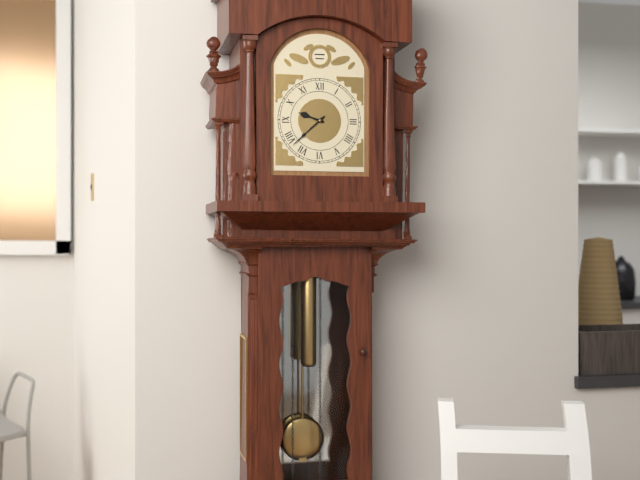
9:38
